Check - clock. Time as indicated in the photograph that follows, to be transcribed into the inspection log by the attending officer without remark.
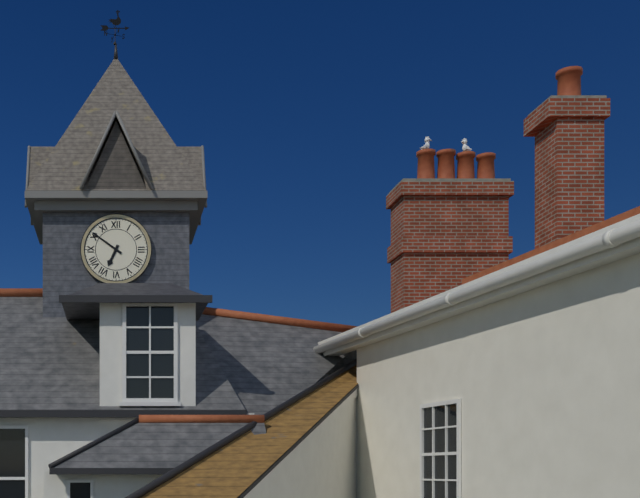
6:51
